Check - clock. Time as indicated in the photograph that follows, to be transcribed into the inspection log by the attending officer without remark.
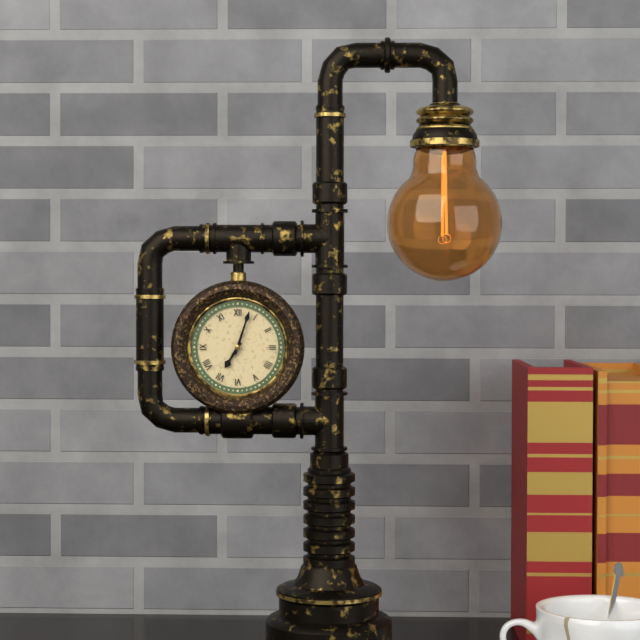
7:03
